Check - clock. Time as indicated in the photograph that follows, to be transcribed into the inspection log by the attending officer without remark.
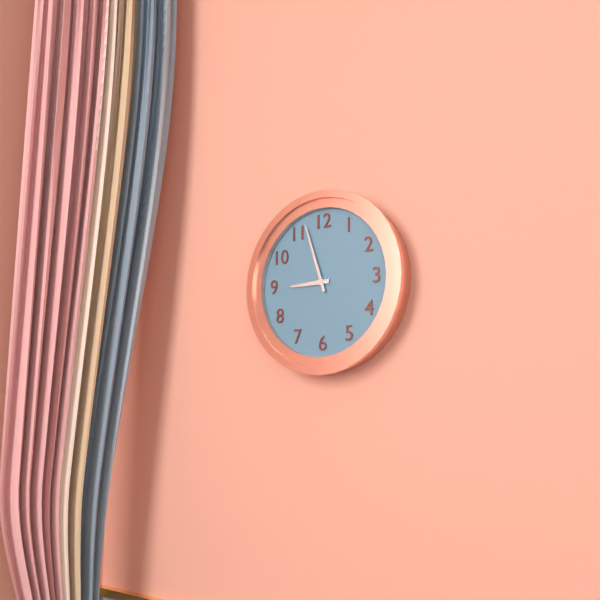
8:57
